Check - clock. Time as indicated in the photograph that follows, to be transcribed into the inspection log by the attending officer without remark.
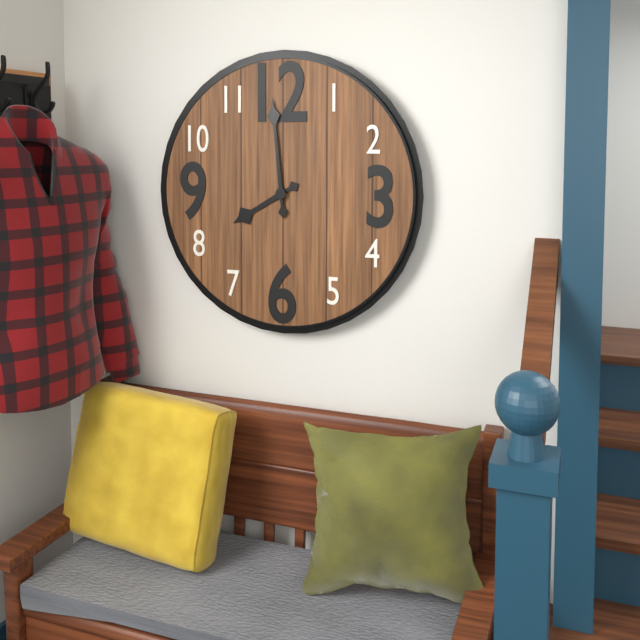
7:59
